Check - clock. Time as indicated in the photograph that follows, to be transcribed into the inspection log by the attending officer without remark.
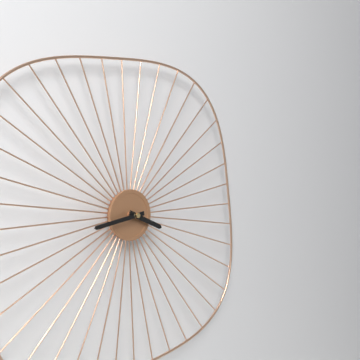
3:43
